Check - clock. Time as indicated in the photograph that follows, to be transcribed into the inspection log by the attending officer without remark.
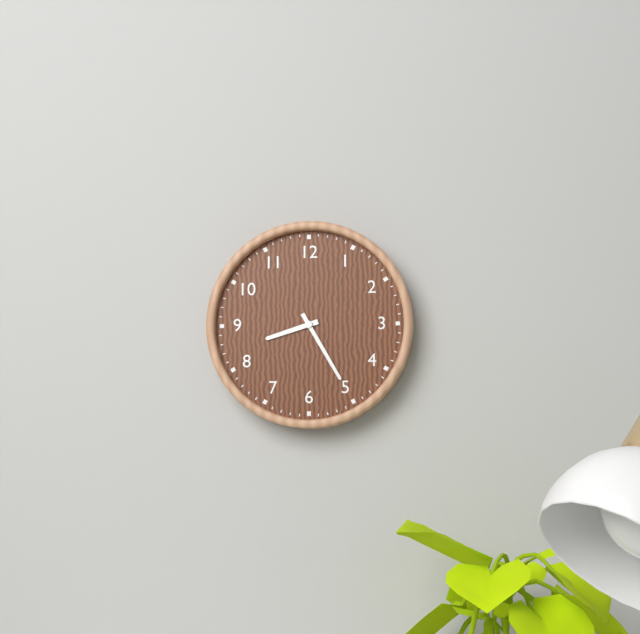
8:25
